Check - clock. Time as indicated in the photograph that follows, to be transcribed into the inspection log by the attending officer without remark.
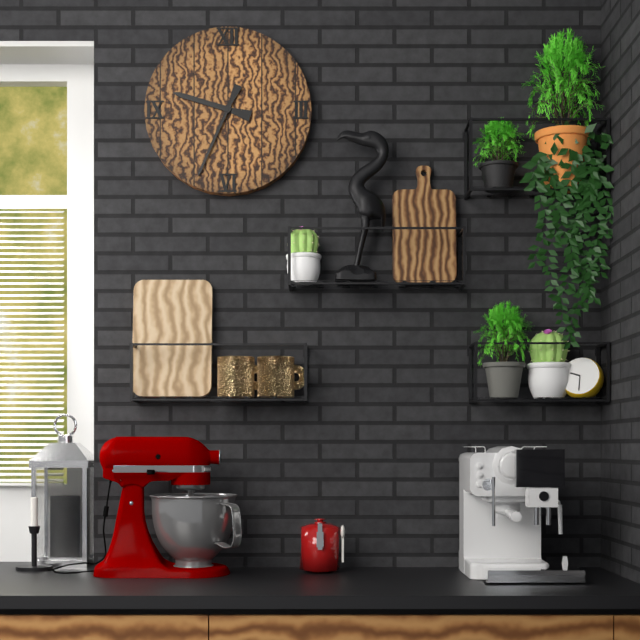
9:34
